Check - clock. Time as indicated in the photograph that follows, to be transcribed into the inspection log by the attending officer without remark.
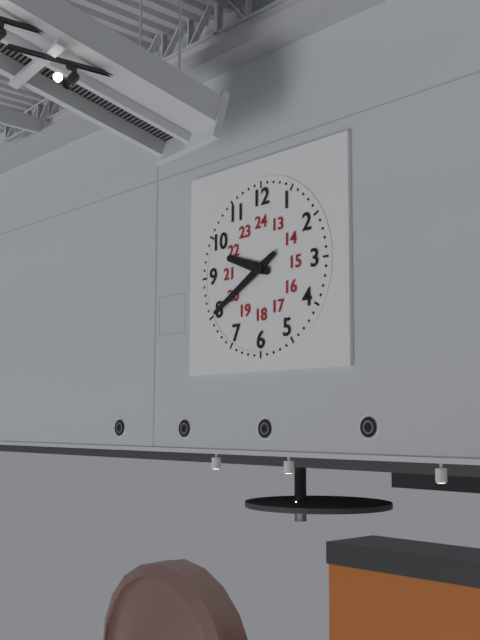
9:40
